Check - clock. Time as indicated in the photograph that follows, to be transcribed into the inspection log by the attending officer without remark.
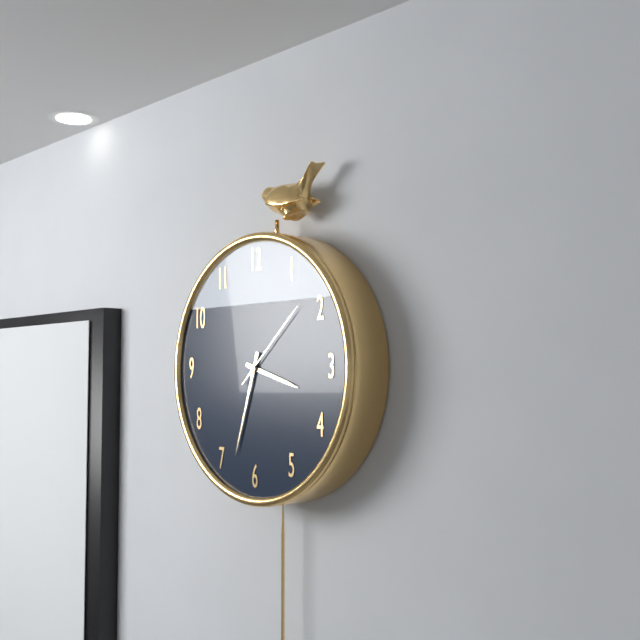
3:33:08
